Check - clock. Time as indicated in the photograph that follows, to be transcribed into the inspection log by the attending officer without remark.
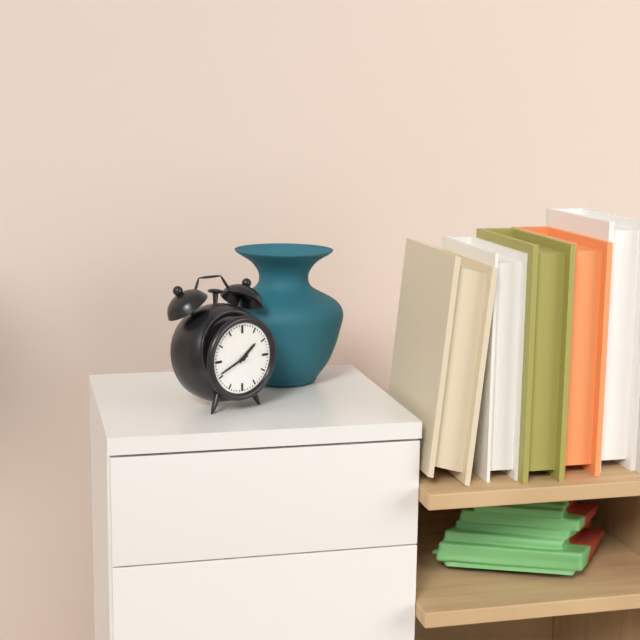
1:41
